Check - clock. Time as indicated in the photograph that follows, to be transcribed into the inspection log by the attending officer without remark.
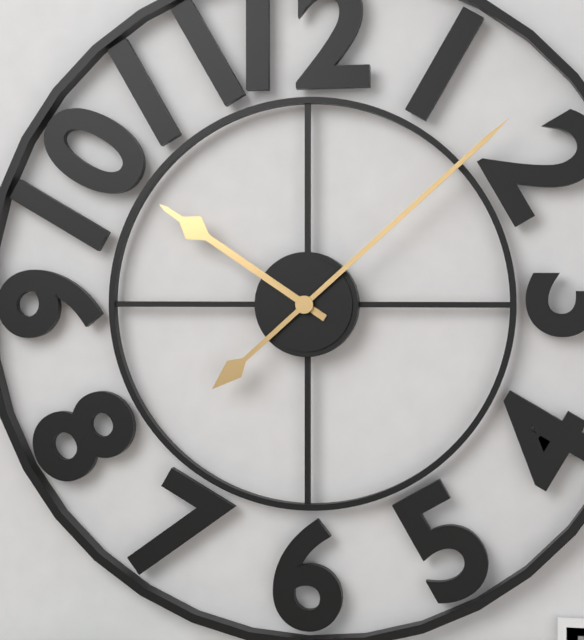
10:08
